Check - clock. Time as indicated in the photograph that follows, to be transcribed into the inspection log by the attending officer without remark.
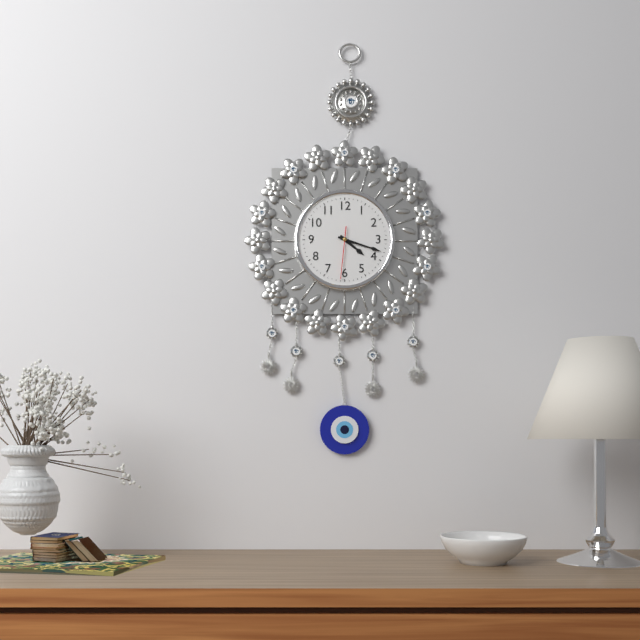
4:18
